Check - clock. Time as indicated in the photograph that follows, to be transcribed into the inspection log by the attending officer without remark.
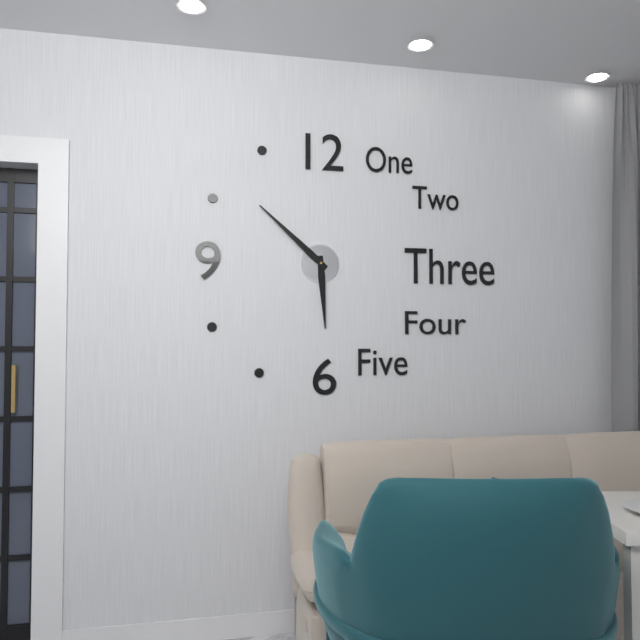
5:52
